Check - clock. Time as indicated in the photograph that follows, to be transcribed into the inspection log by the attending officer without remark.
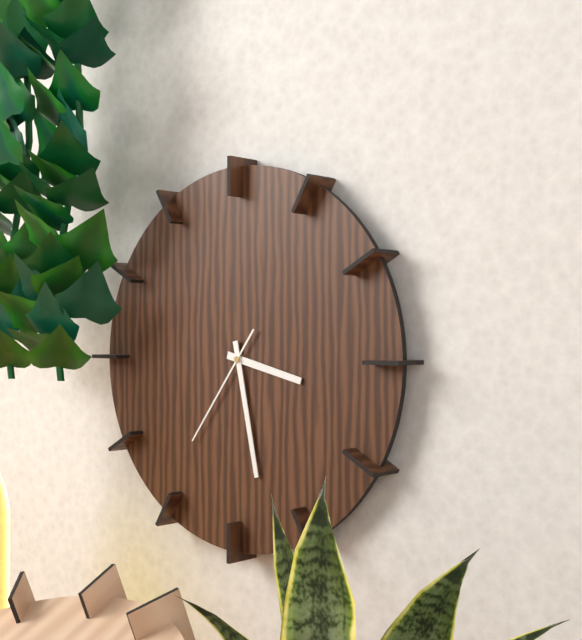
3:28:36
